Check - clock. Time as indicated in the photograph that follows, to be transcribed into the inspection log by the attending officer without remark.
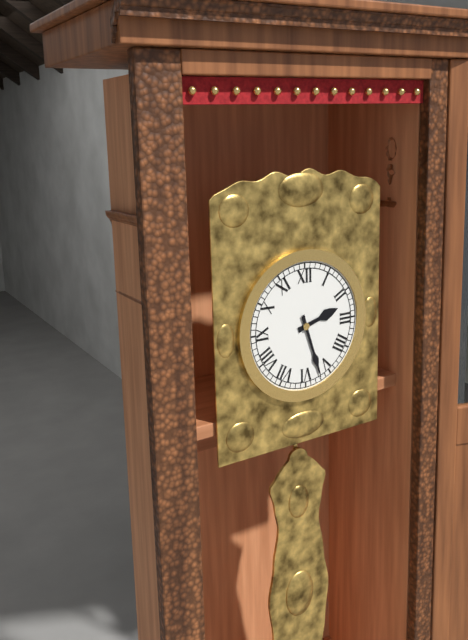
2:27
